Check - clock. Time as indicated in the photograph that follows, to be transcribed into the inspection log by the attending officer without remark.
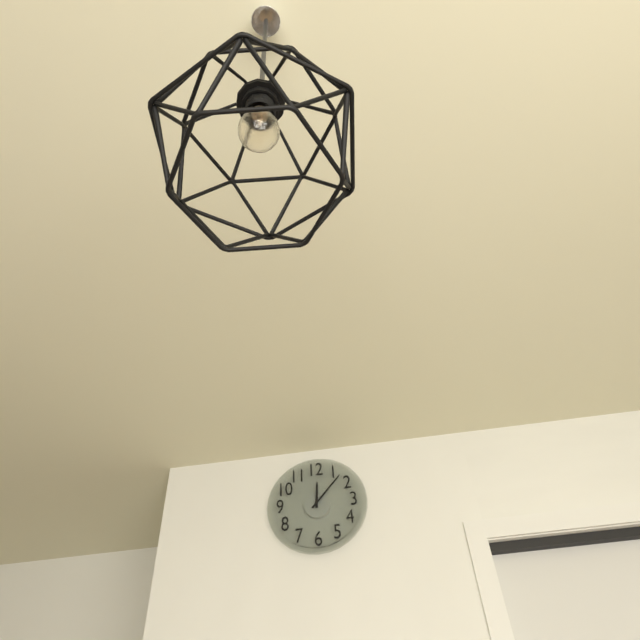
12:07
